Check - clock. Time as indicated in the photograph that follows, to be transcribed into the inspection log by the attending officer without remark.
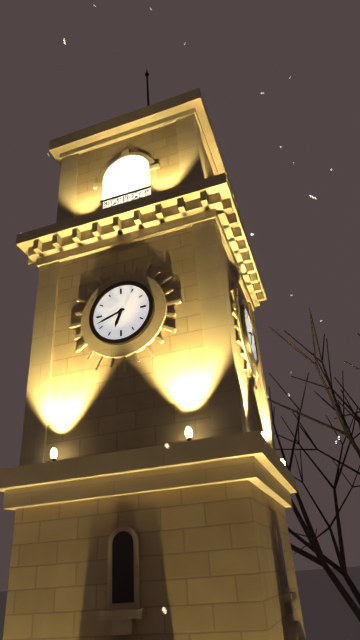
6:42
